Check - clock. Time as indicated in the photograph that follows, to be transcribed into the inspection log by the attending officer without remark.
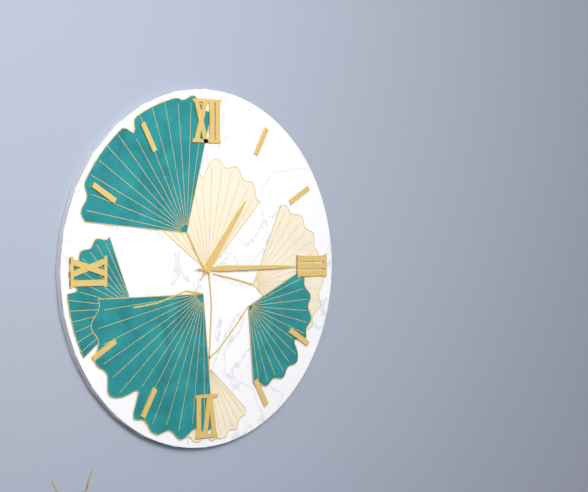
1:15
